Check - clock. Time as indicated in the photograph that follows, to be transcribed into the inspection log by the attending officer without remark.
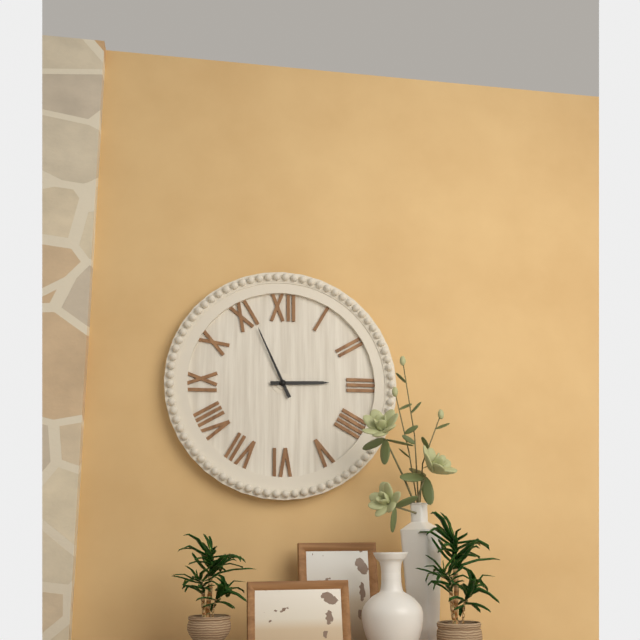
2:56
